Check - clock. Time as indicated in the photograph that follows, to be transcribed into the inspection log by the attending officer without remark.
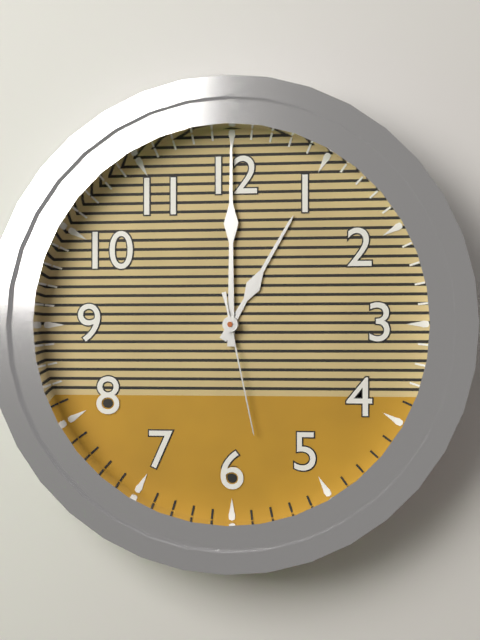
1:00:28
